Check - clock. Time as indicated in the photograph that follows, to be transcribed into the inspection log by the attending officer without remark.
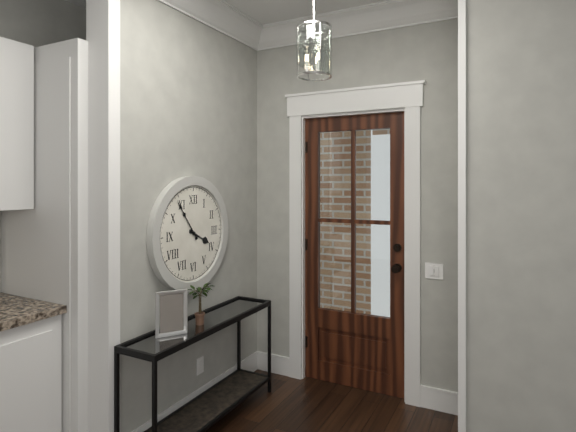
3:54
